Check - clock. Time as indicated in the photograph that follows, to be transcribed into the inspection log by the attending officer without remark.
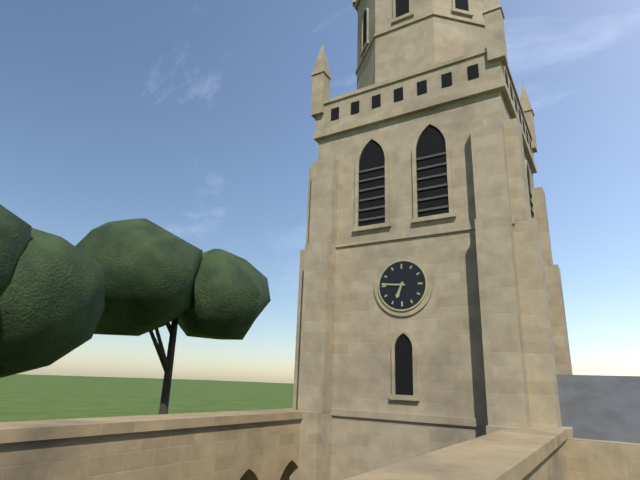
6:46
